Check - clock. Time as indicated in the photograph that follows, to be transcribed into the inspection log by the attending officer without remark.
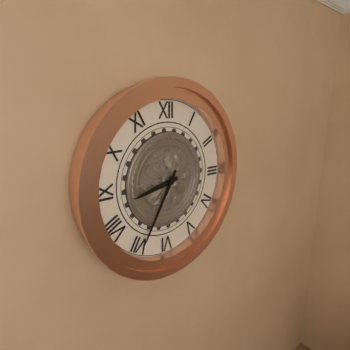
8:35
